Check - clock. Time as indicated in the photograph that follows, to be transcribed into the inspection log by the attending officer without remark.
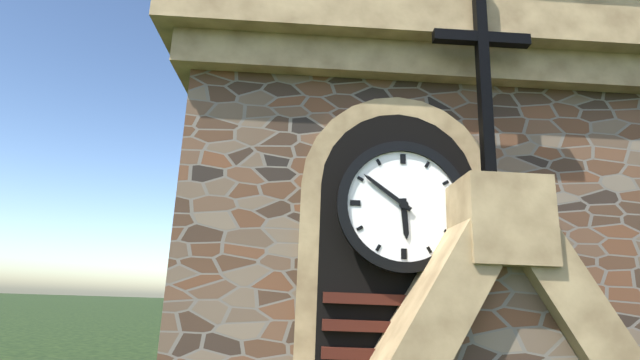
5:51
